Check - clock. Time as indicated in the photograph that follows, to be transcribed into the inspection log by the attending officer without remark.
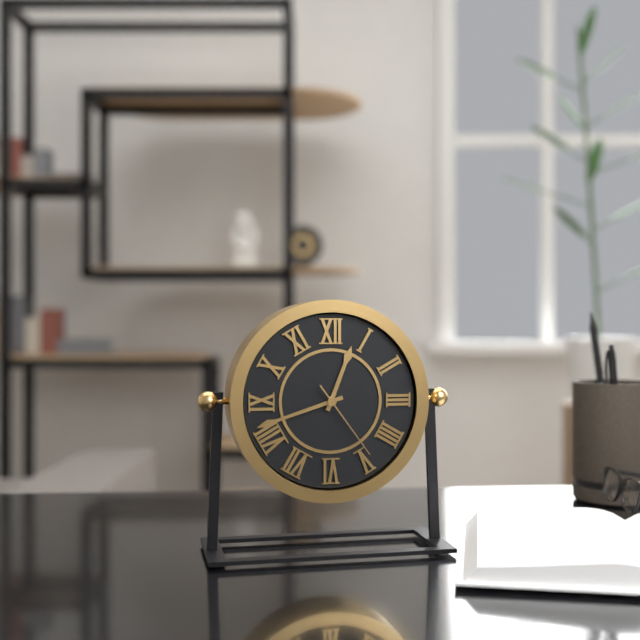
12:42:24
